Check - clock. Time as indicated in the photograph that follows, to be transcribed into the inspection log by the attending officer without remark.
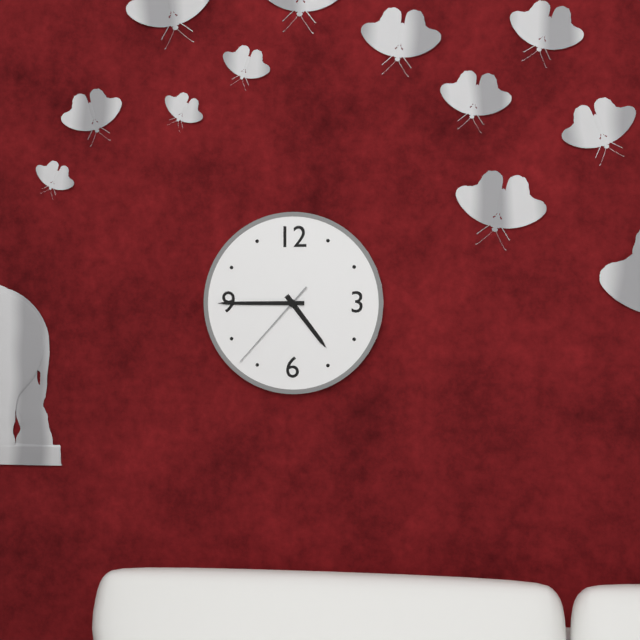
4:45:37
